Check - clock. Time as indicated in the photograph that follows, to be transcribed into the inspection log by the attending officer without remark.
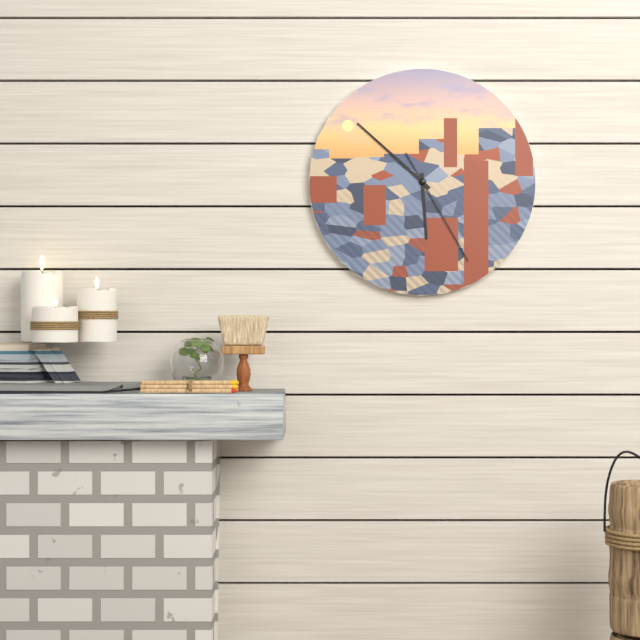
5:52:25
